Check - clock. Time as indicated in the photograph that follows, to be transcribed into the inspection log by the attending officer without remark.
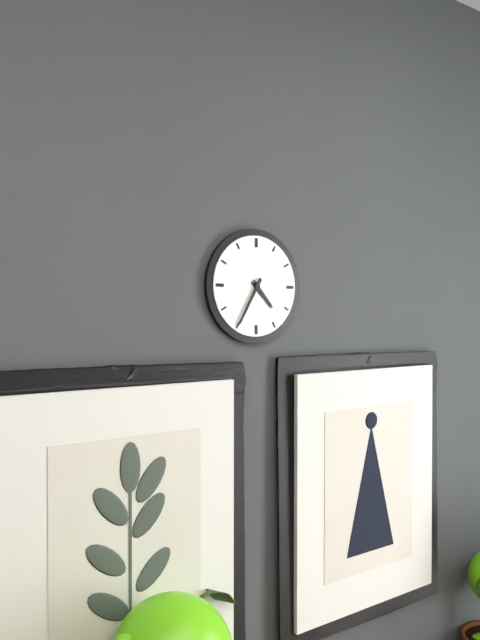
4:35
